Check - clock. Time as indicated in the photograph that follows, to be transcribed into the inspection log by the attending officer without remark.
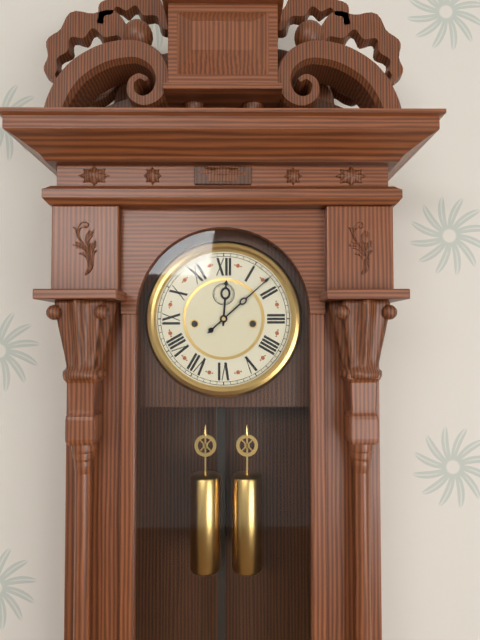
12:08
